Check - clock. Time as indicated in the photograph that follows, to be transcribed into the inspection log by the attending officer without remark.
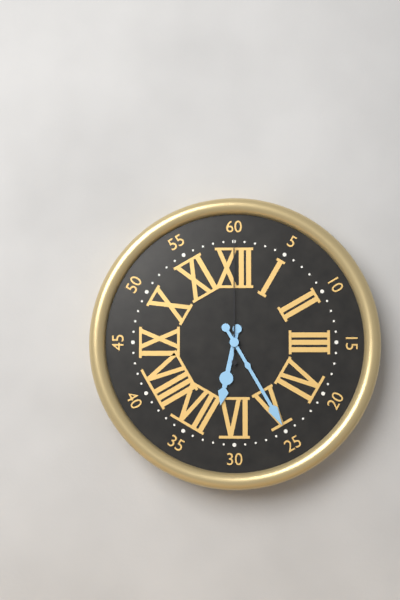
6:25:00
